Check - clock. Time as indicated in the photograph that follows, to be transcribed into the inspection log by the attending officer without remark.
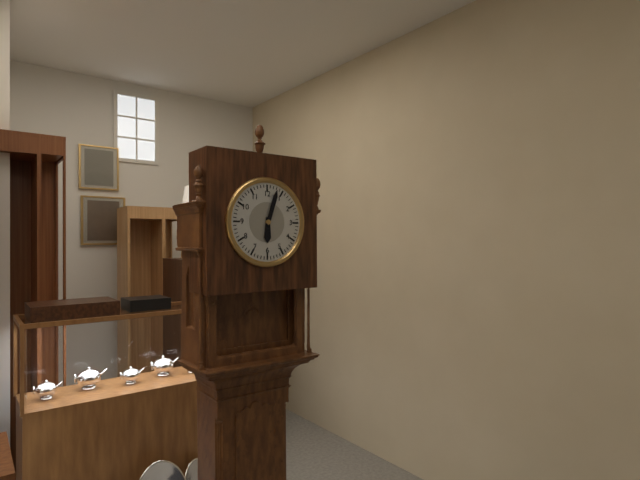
6:03
